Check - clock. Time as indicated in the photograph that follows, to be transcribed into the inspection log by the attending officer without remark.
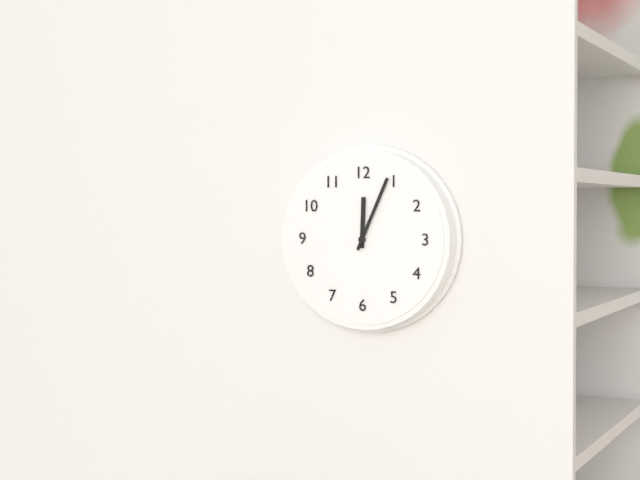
12:04
